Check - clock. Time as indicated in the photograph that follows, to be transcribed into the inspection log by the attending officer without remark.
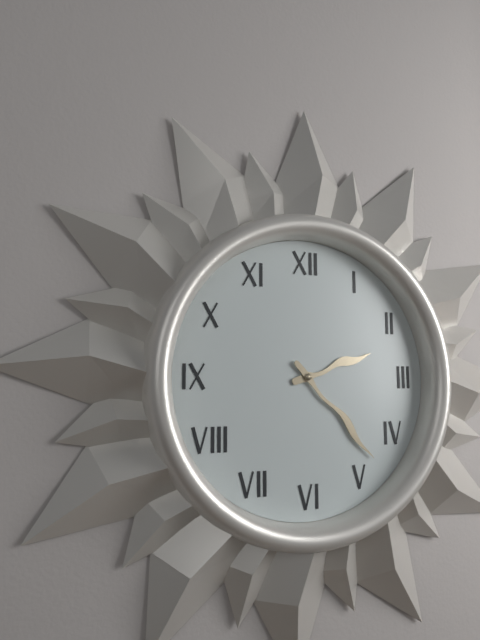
2:23
